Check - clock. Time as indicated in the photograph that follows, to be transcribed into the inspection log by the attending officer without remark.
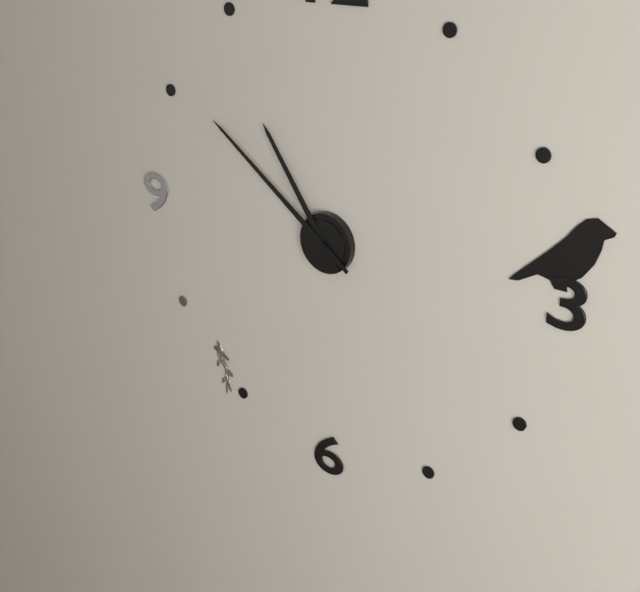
10:51
